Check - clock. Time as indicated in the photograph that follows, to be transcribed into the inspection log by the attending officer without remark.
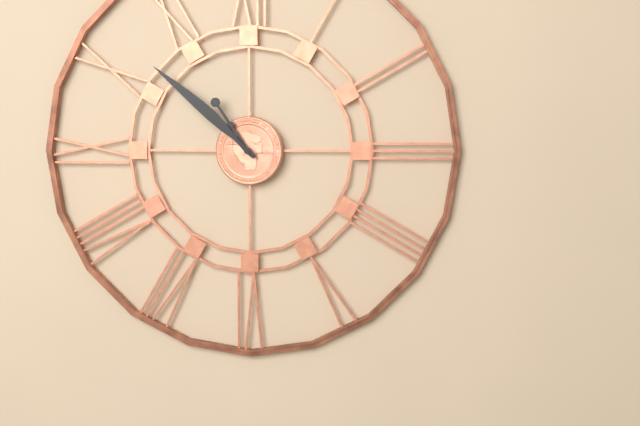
10:52
